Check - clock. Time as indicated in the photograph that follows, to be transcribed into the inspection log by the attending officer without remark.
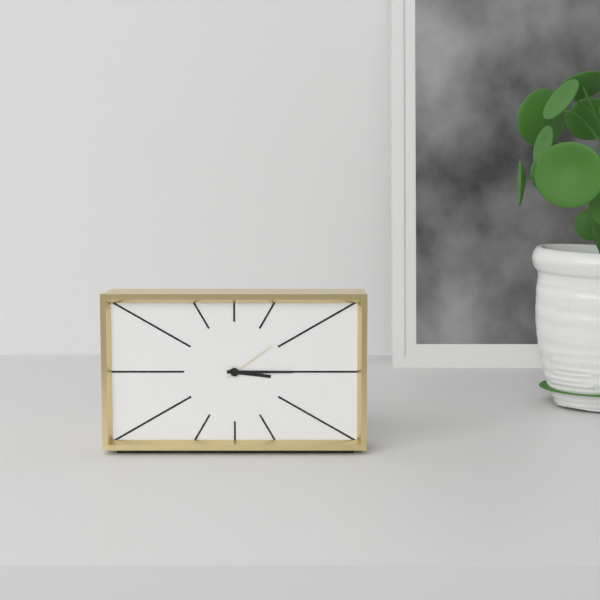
3:15:09
